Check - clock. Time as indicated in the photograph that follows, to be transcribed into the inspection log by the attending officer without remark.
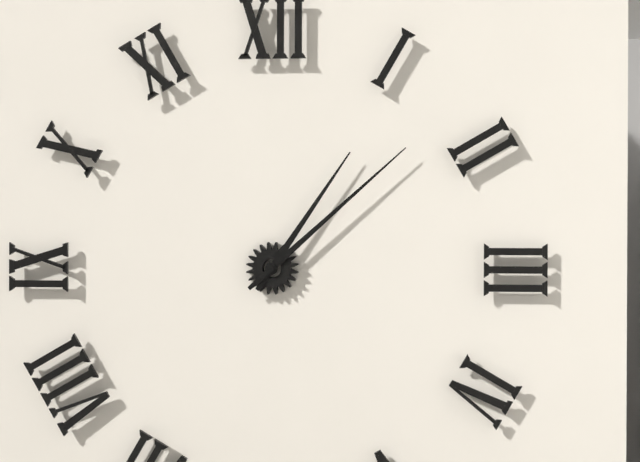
1:08
